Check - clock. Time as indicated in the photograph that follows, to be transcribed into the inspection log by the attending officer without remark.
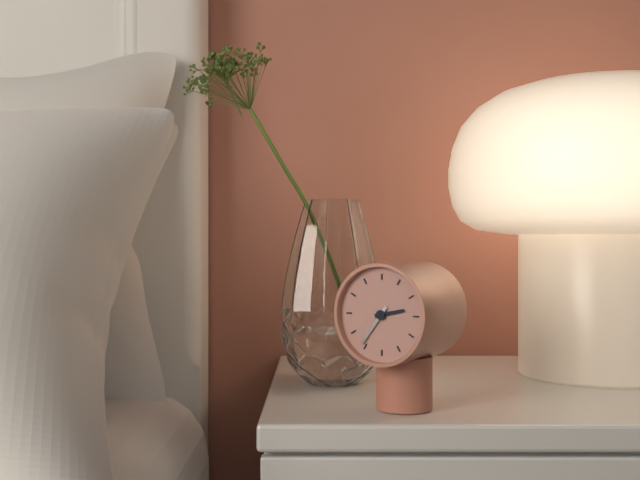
2:36
